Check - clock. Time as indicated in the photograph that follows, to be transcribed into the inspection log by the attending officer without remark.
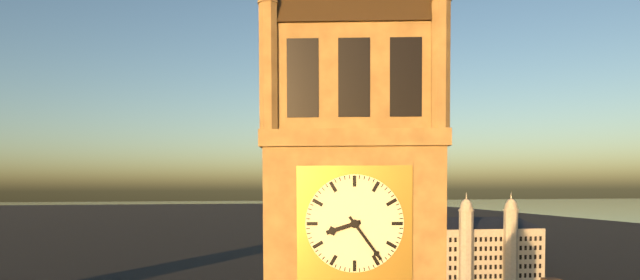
8:24
